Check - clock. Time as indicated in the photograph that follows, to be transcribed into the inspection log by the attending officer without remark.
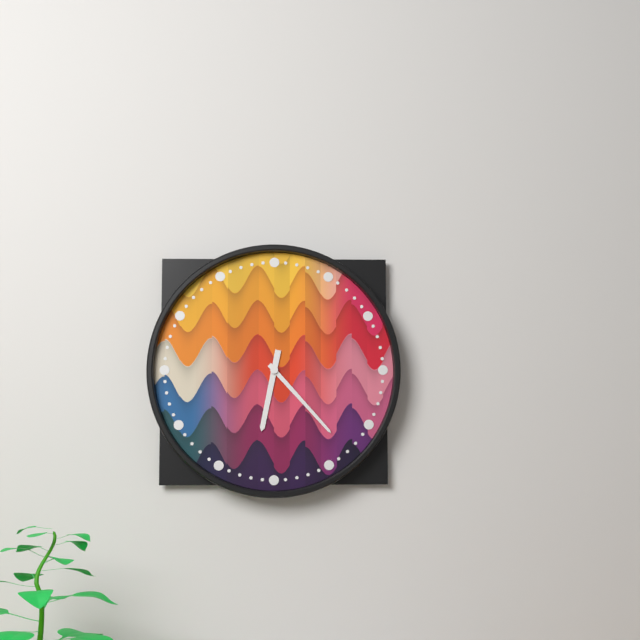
6:23
